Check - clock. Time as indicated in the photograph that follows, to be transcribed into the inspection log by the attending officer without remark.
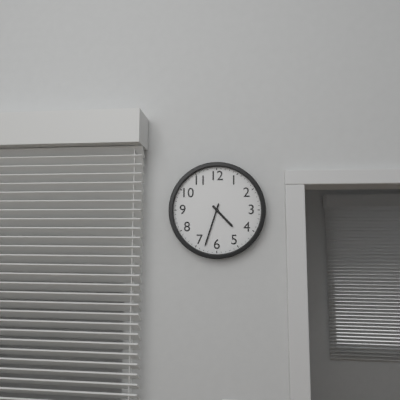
4:33
